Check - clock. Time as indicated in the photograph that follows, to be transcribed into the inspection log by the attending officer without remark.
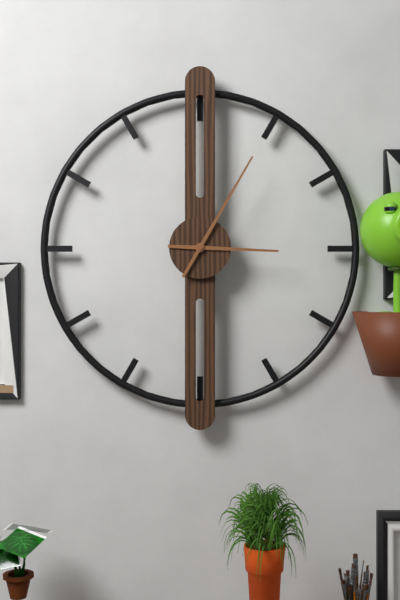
3:05
